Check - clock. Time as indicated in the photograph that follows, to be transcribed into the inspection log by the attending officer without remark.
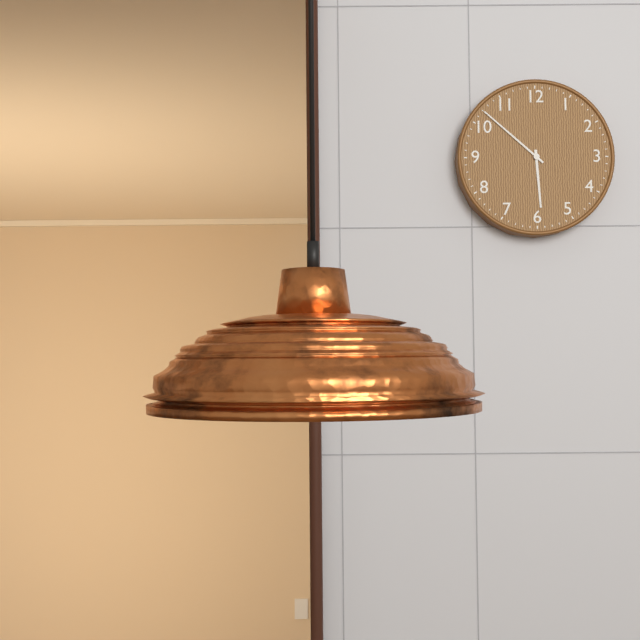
5:52
